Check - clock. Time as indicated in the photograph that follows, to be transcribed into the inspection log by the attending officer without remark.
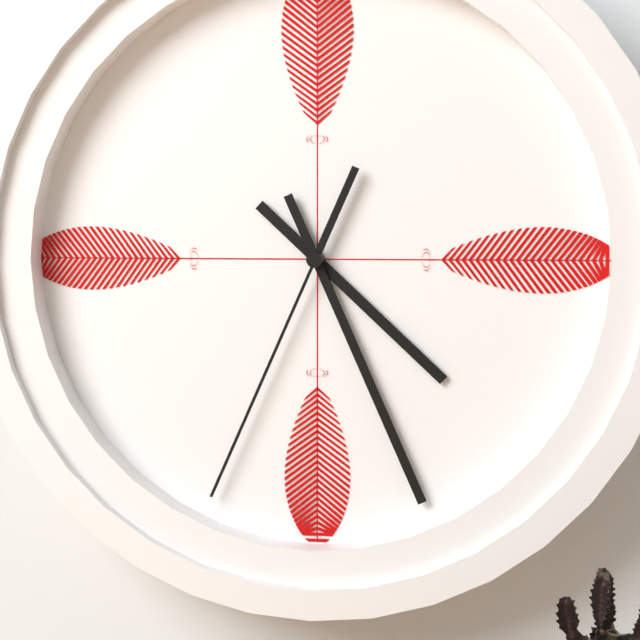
4:26:34
